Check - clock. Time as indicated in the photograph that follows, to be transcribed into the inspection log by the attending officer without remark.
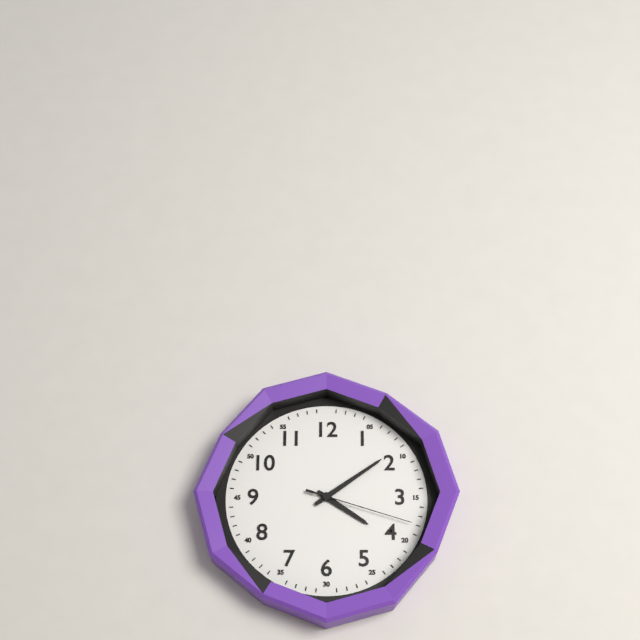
4:09:18
